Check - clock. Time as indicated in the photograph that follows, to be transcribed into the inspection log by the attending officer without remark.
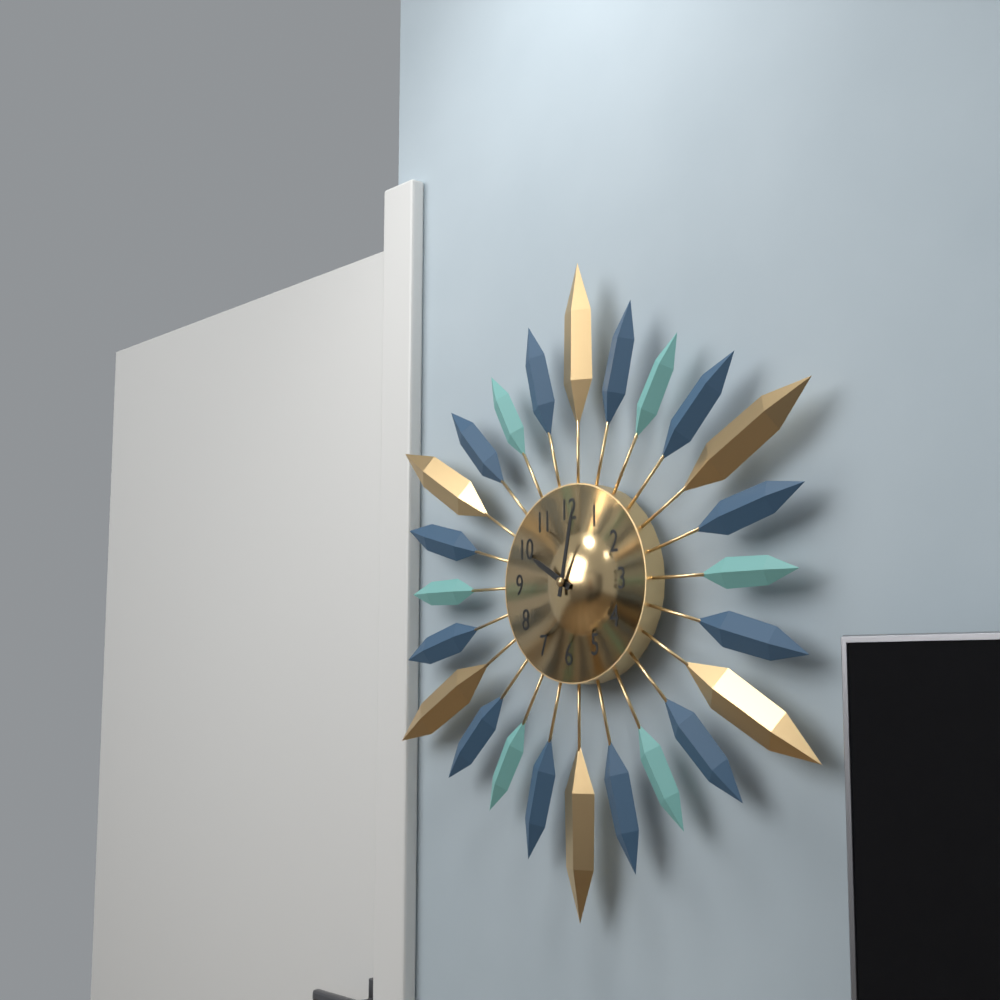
10:02
